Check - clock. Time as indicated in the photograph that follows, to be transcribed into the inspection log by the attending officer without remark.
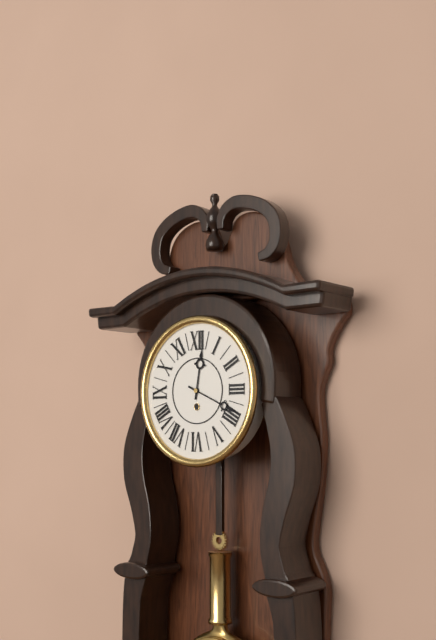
12:19
